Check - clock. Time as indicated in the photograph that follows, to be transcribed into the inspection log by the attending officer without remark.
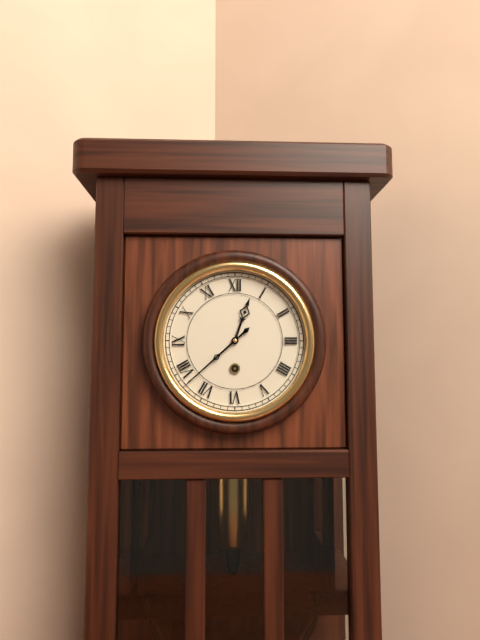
12:38
